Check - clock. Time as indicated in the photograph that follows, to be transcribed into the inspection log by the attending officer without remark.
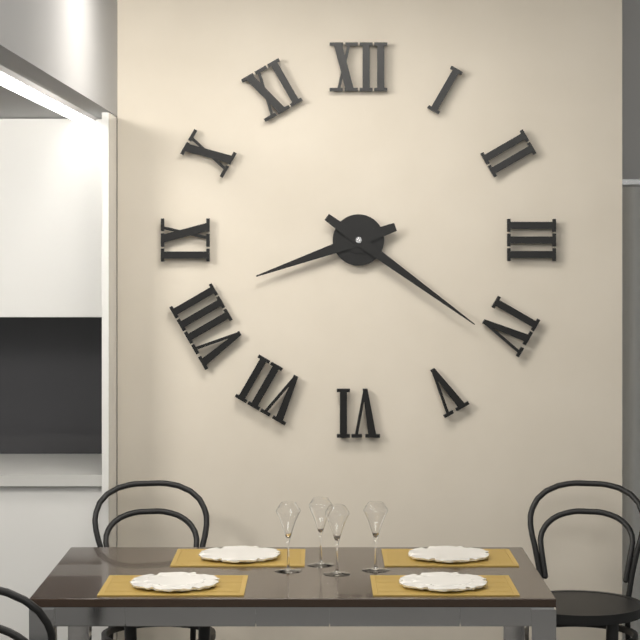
8:21
